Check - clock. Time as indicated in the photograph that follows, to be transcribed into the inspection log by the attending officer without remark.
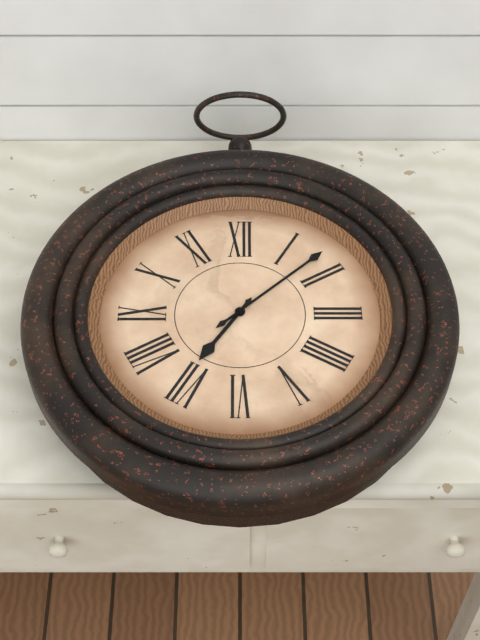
7:08
